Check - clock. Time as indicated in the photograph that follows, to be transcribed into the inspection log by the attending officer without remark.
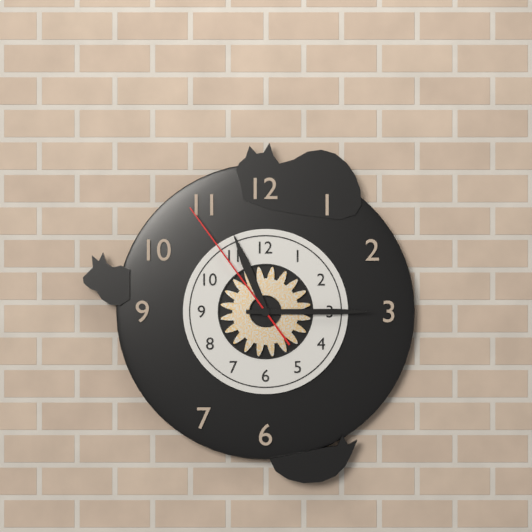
11:15:54
